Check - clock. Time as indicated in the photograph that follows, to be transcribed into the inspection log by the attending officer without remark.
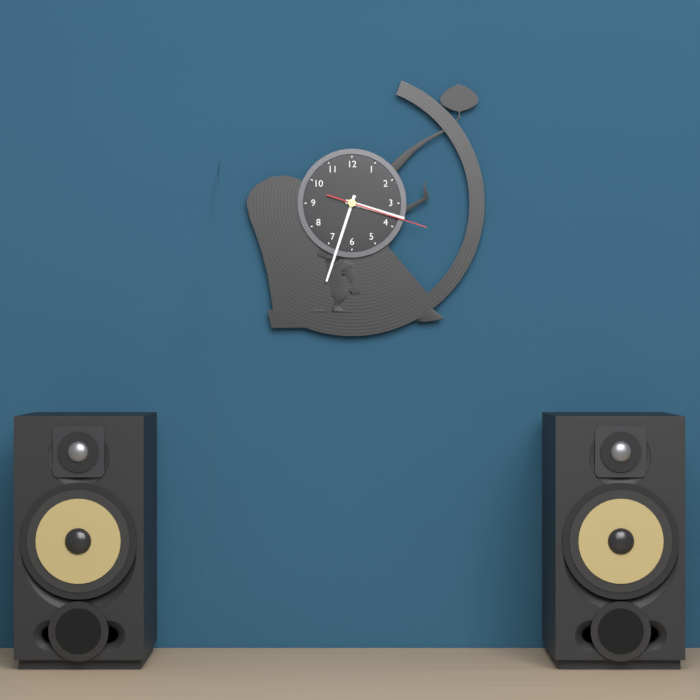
3:33:18
